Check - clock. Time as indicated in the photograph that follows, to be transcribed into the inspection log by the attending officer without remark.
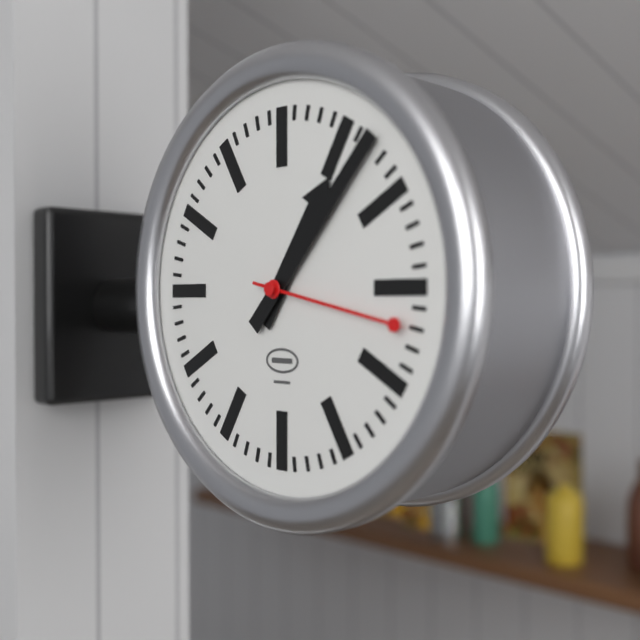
1:07:17
